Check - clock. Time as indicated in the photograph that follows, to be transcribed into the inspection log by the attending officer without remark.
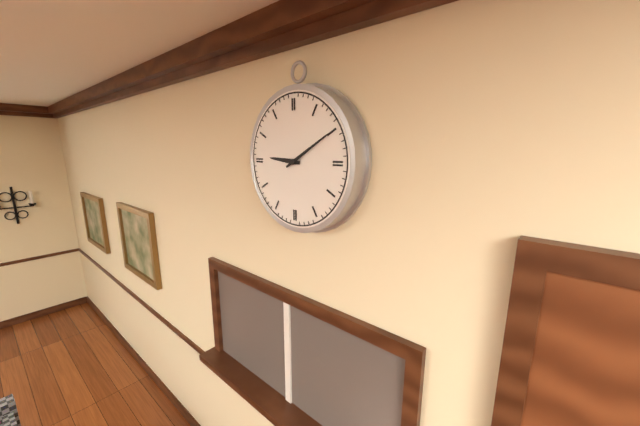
9:10
